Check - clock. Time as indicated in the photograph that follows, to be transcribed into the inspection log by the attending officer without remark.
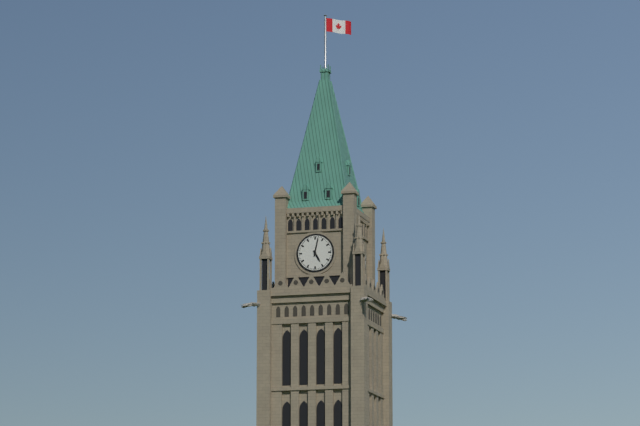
5:02
